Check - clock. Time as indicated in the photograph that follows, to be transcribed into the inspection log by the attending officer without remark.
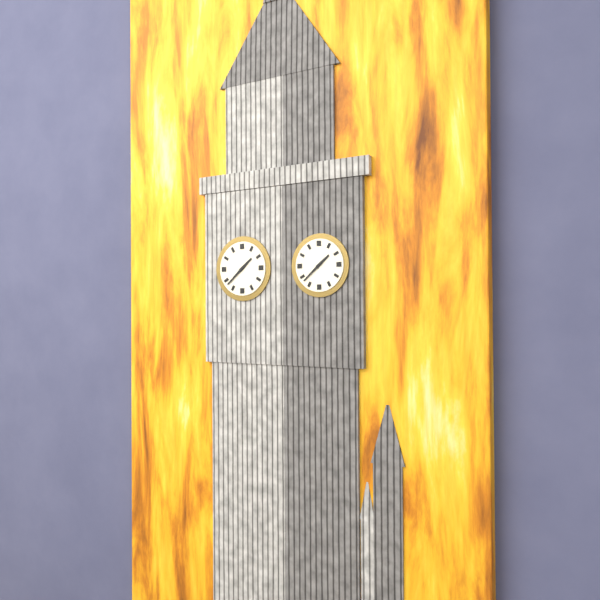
1:38
